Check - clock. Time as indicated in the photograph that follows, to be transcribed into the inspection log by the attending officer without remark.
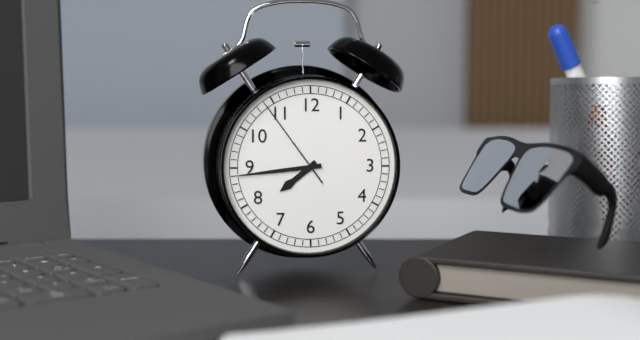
7:44:54
